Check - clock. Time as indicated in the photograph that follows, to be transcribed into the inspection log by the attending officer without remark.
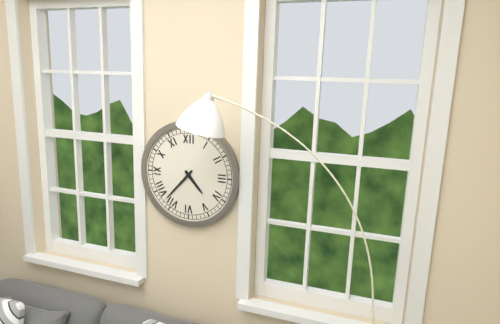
4:37
